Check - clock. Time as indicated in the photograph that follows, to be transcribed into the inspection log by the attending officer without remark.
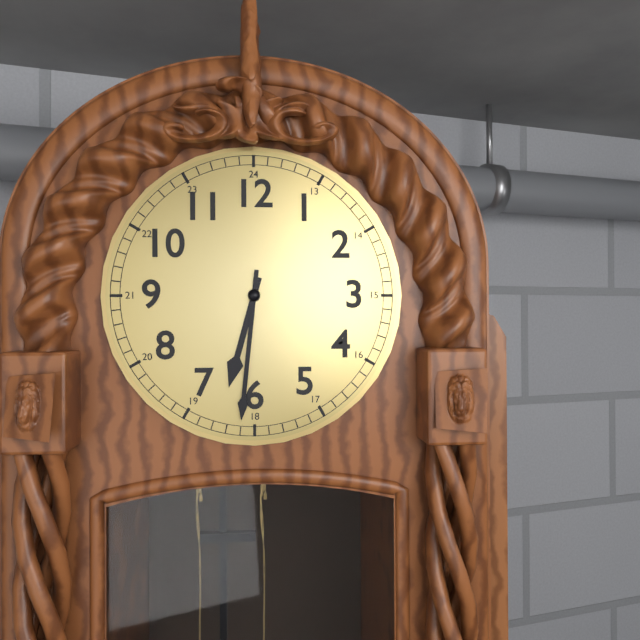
6:31
